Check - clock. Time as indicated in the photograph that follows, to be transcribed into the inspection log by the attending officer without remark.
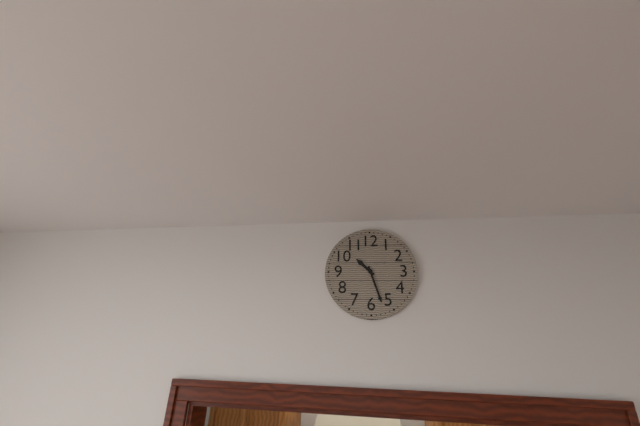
10:27
